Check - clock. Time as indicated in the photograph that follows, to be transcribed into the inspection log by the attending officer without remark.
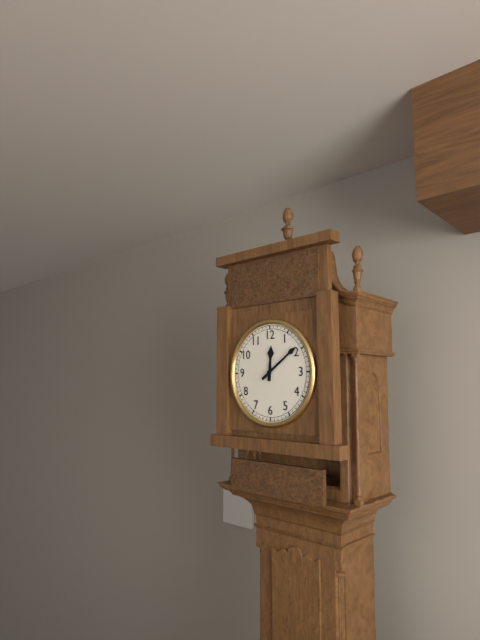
12:09
